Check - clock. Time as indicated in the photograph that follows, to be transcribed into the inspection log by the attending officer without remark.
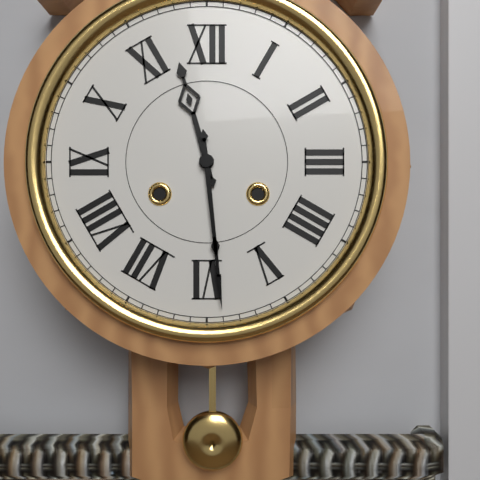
11:29
